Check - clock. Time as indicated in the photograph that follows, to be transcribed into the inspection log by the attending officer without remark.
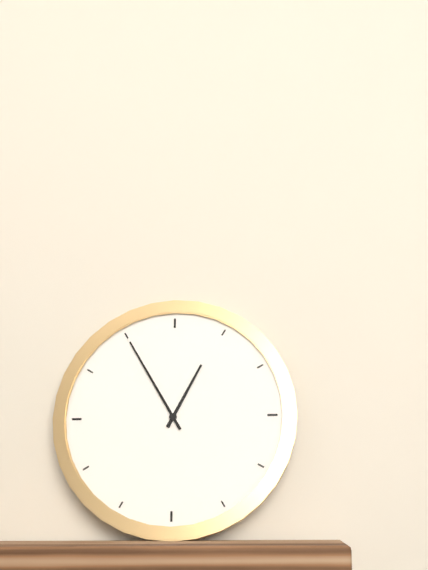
12:55
